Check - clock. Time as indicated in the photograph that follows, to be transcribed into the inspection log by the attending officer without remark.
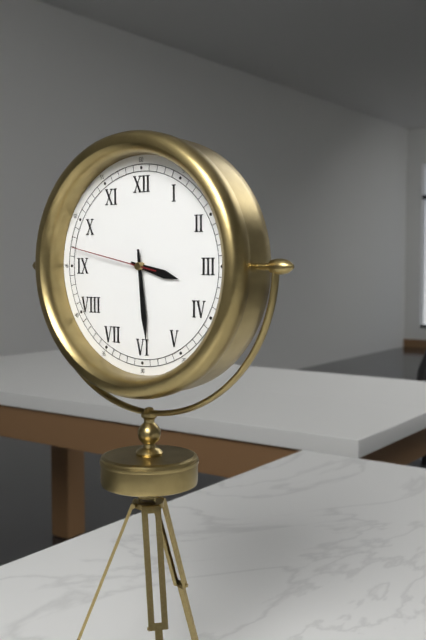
3:29:47
